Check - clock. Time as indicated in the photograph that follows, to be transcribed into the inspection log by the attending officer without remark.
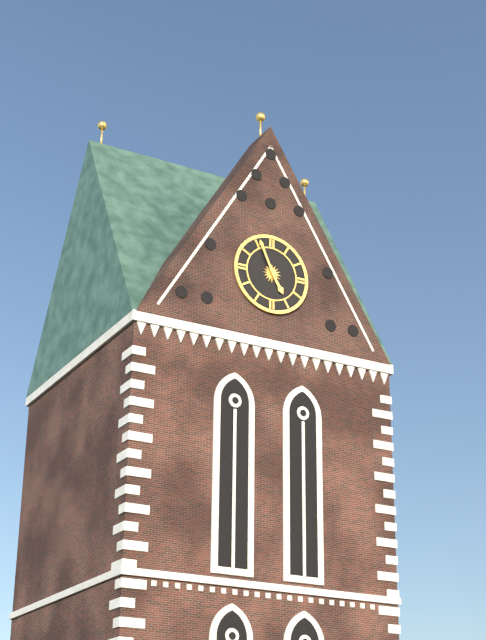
4:56
